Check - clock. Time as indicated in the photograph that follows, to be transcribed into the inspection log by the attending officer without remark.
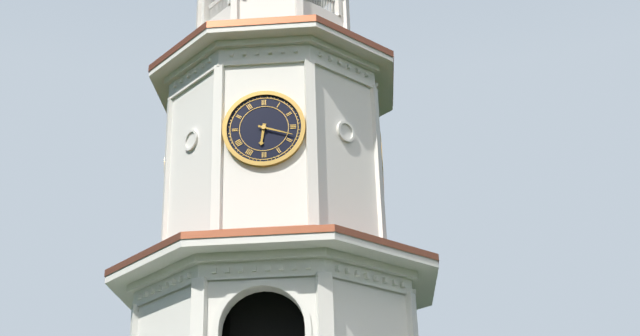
6:18
